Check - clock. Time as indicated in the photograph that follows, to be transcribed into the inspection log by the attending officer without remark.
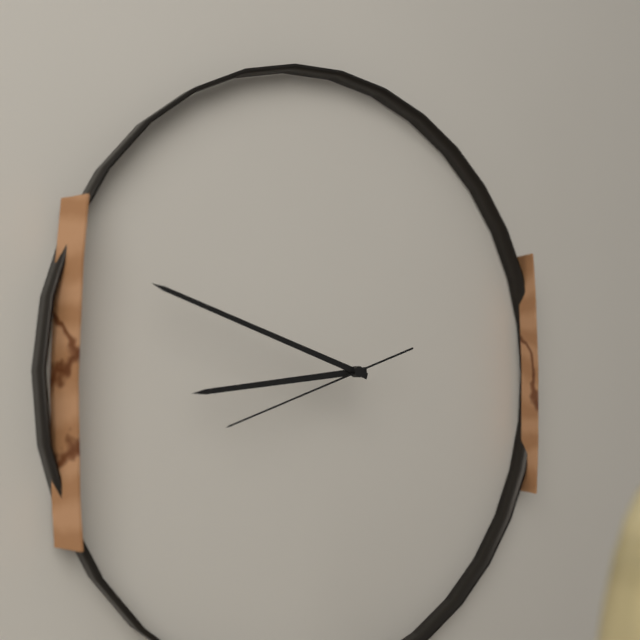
8:48:42
